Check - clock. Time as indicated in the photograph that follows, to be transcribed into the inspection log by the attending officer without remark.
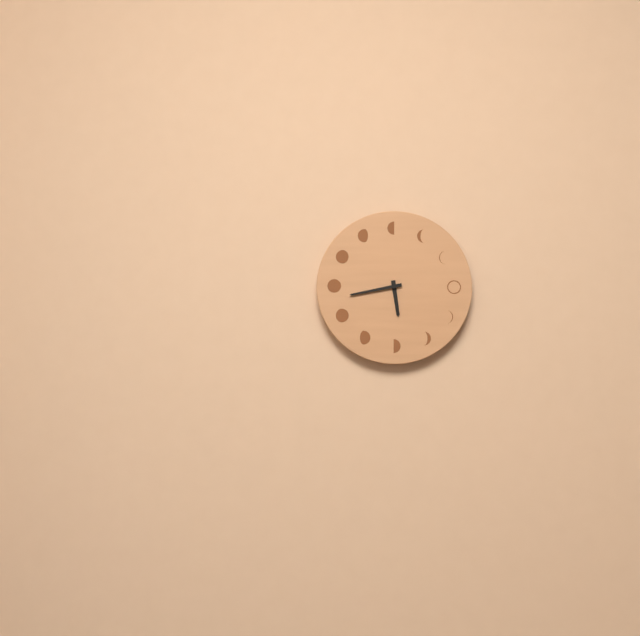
5:43
